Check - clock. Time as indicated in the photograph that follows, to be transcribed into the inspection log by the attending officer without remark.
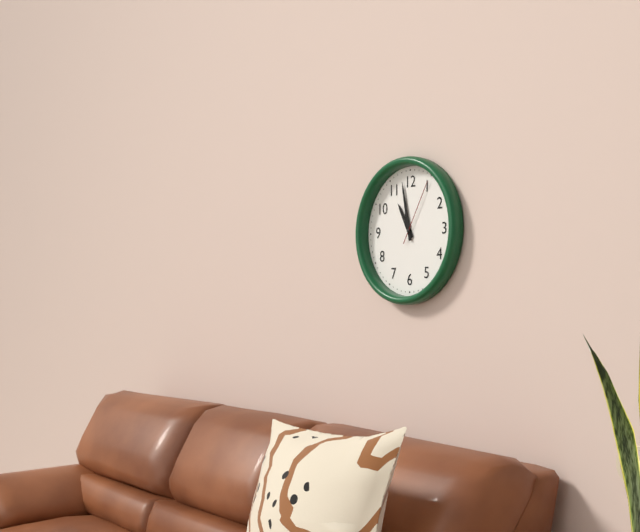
10:58:05
